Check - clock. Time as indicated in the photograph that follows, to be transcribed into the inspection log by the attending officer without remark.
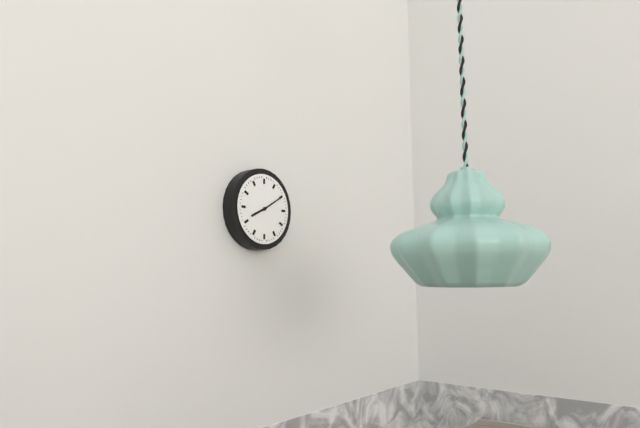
8:10
